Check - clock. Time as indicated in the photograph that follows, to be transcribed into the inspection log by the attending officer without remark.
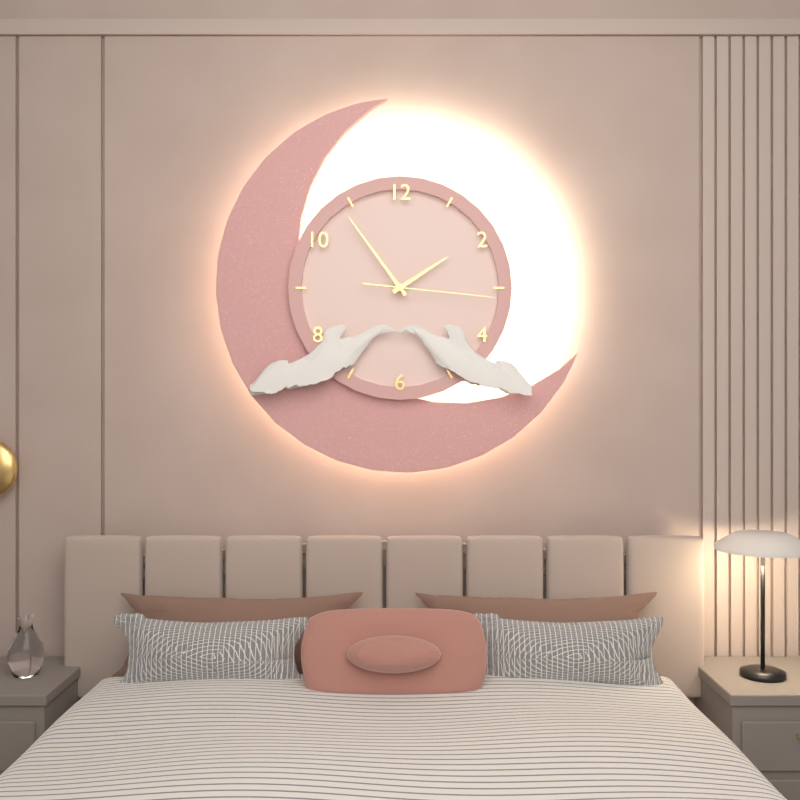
1:54:16
